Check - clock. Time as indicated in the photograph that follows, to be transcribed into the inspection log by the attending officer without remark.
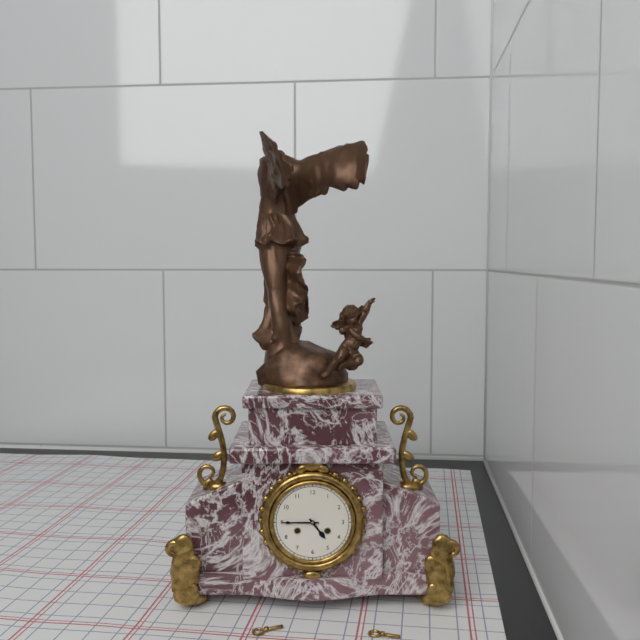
4:45
